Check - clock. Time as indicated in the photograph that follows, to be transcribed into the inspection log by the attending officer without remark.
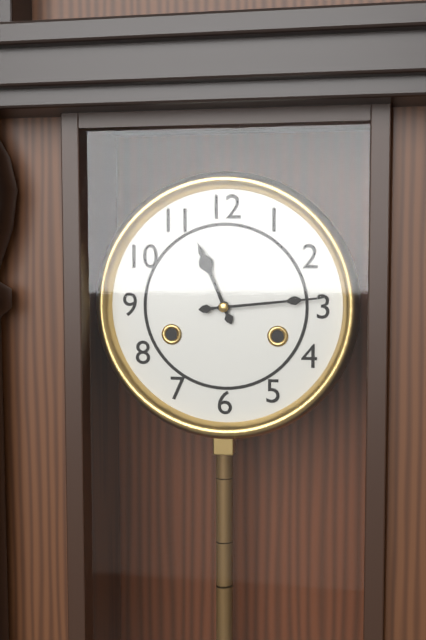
11:14
